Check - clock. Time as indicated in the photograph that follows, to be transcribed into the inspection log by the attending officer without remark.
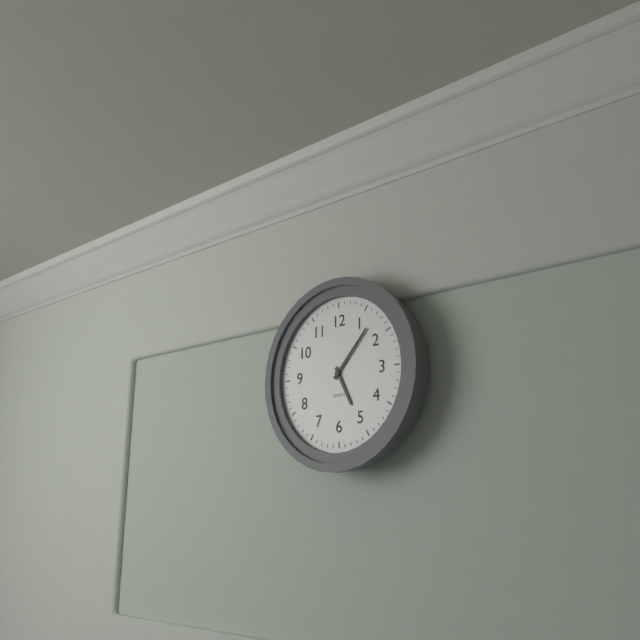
5:07
